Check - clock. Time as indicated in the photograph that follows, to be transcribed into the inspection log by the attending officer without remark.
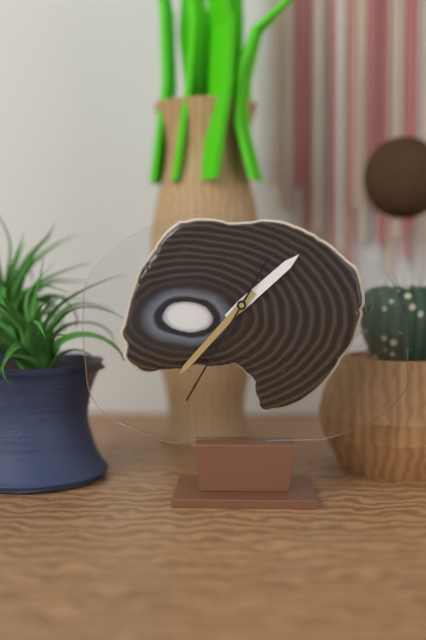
1:37:35
